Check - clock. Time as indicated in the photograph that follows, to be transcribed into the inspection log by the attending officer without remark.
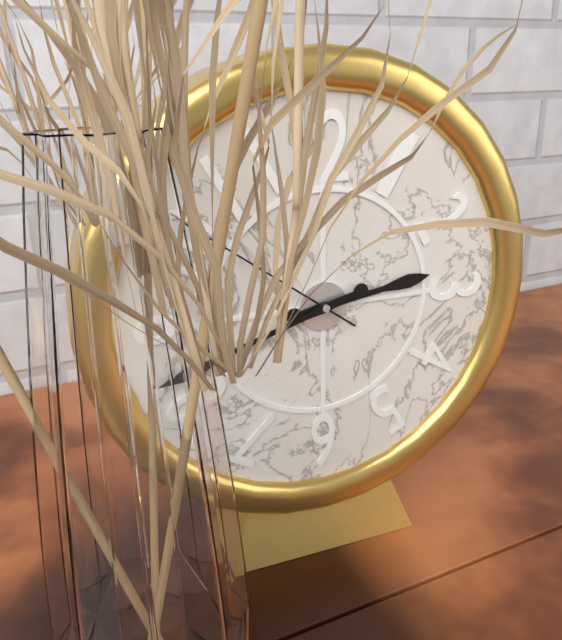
2:42:51
